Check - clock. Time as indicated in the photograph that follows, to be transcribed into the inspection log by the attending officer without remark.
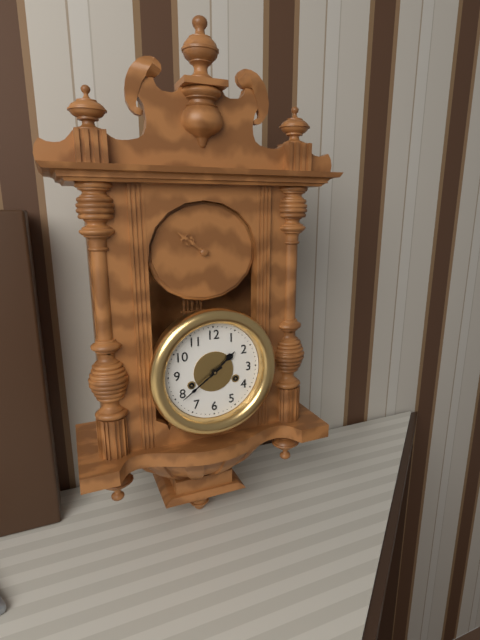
1:39
